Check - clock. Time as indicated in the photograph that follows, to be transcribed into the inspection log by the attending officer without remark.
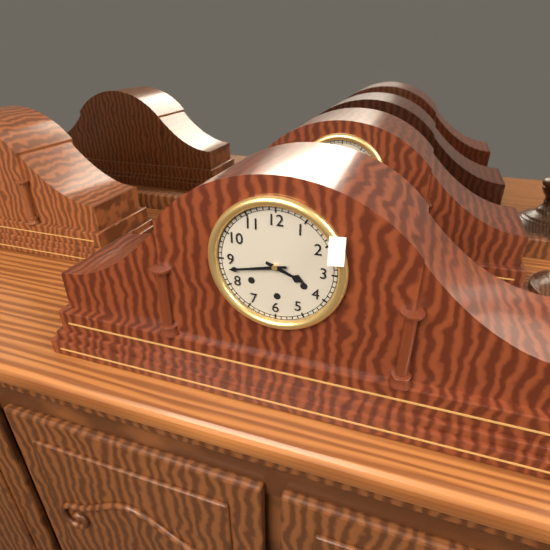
3:43
